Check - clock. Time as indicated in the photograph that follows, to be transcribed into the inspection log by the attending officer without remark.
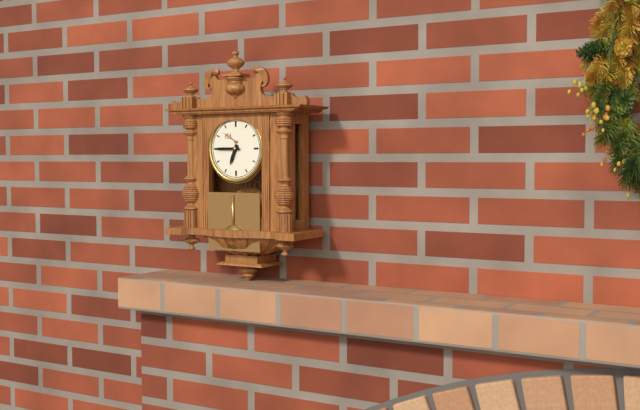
6:45
